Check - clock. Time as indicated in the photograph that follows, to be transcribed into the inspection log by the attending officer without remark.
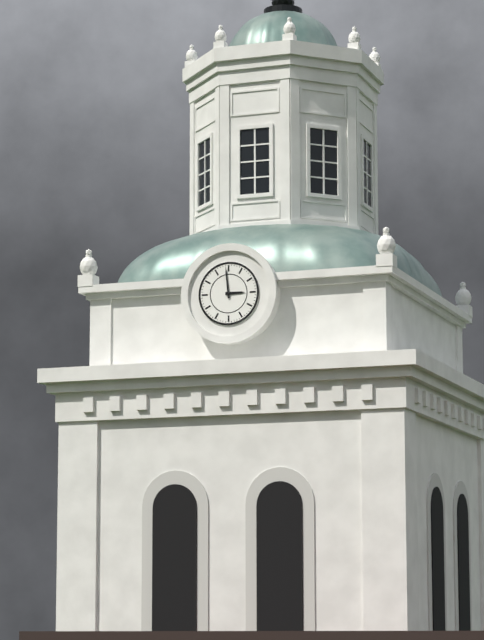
2:59
